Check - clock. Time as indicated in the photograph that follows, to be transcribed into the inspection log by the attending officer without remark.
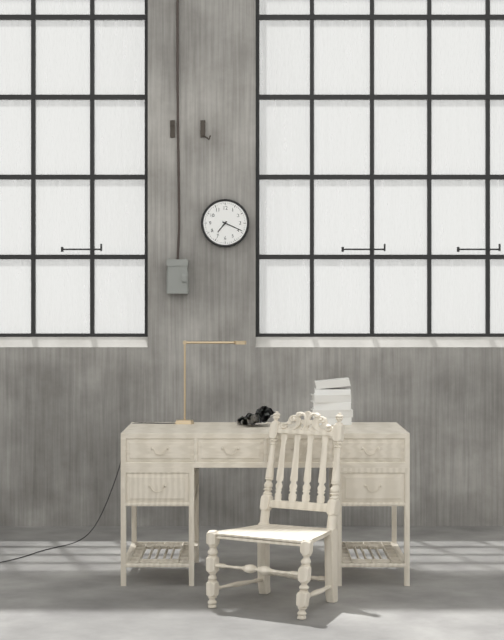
7:19
